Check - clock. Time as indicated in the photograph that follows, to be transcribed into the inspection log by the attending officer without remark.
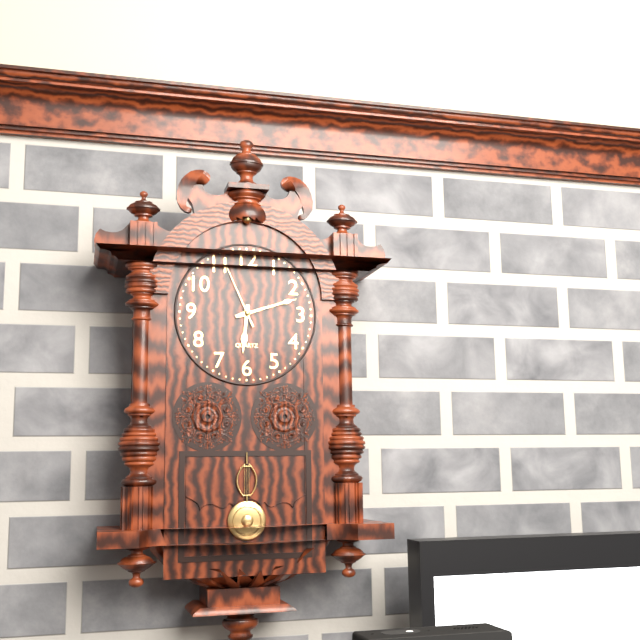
6:12:56
